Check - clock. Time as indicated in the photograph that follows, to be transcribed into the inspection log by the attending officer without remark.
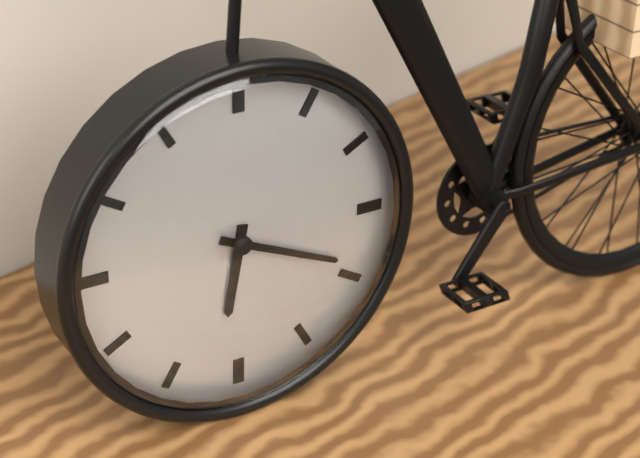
6:19
